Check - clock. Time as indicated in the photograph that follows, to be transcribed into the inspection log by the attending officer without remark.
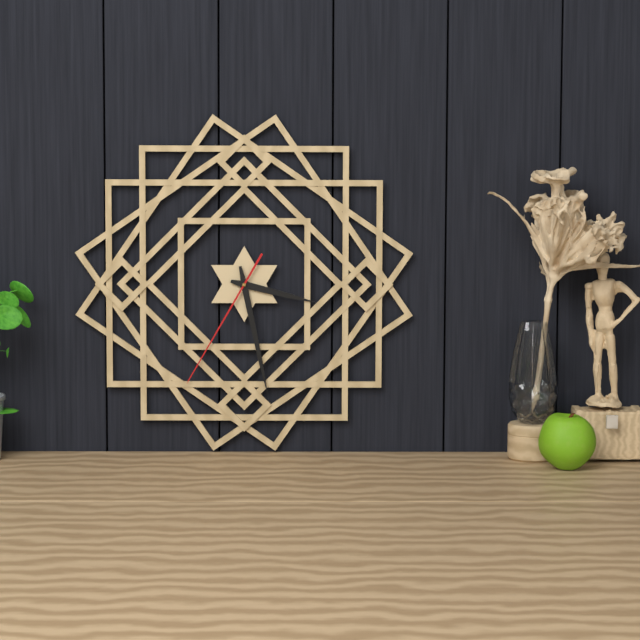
3:28:35
